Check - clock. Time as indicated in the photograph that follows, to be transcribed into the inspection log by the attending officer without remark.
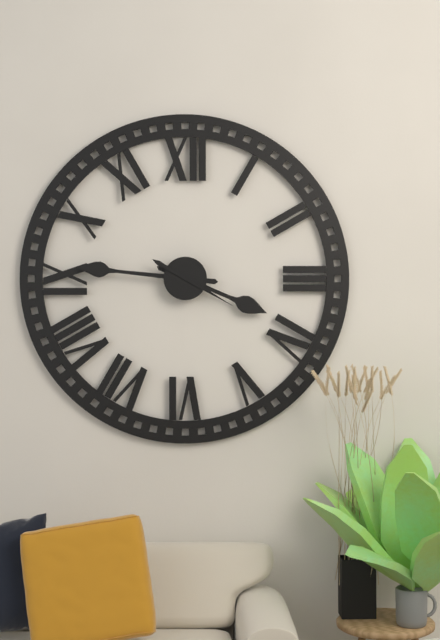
3:46:20
